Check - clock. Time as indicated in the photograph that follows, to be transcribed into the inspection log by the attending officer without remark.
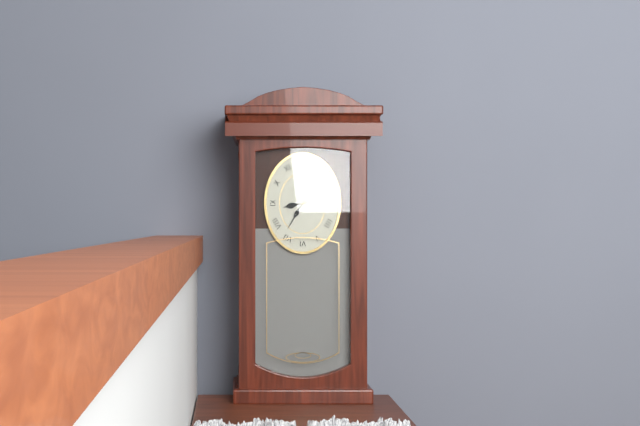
8:35
